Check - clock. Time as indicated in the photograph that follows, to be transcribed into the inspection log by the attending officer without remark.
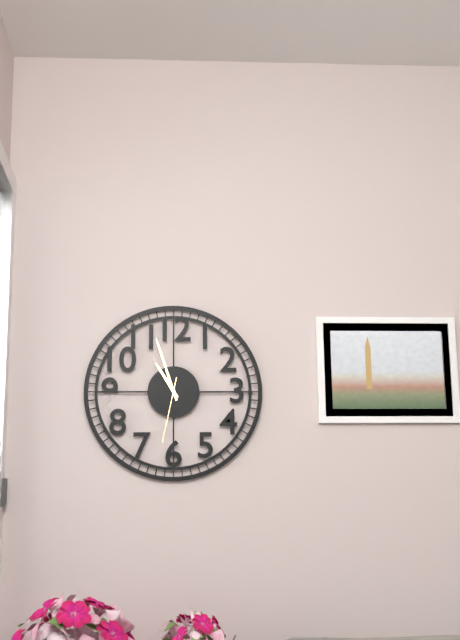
10:57:32
